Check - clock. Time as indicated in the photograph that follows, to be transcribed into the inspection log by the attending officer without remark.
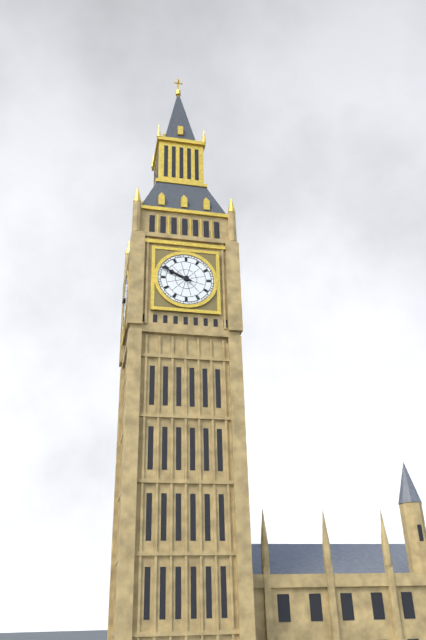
9:49
